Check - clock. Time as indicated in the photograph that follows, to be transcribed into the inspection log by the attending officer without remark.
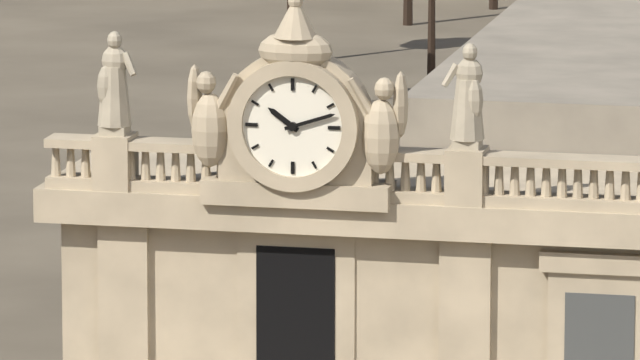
10:12
